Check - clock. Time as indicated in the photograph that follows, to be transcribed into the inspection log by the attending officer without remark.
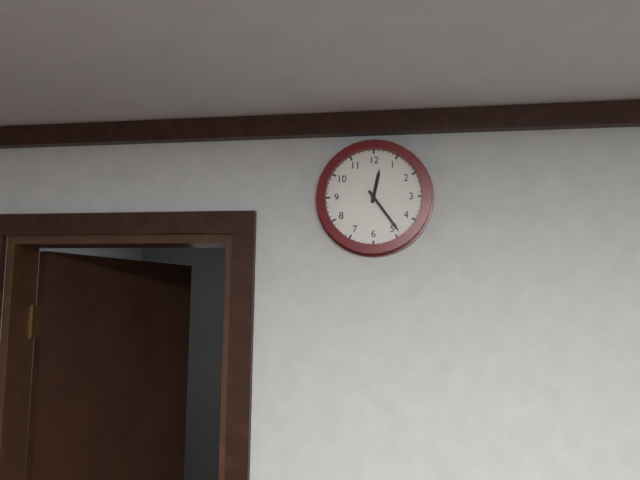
12:24
